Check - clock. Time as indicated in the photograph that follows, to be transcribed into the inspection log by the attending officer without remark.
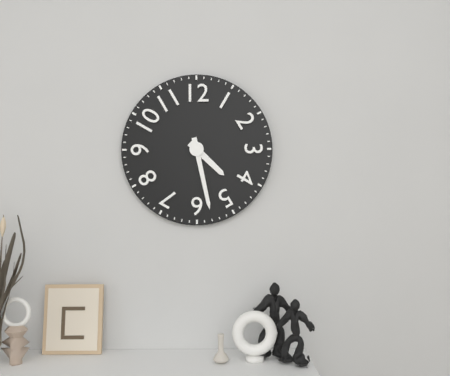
4:28
